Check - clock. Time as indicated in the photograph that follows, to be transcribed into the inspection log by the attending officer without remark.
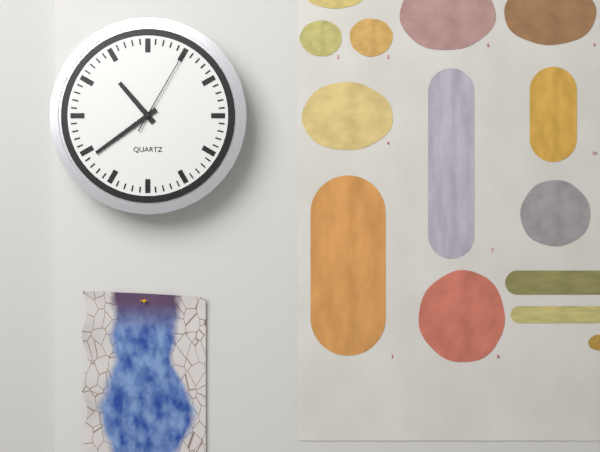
10:39:05
